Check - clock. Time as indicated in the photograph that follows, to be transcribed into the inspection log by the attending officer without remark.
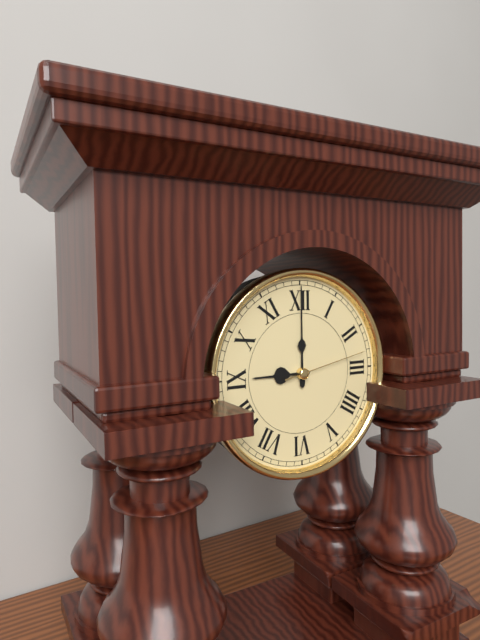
9:00:13
